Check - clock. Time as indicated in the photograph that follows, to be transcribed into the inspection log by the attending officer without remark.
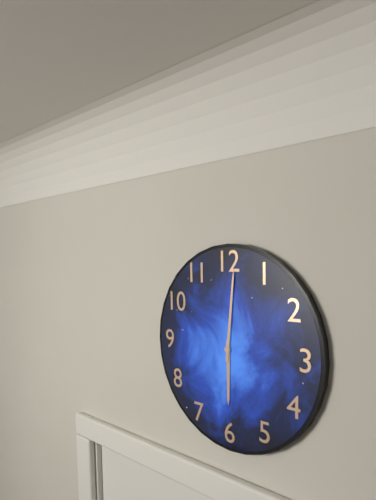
6:01
